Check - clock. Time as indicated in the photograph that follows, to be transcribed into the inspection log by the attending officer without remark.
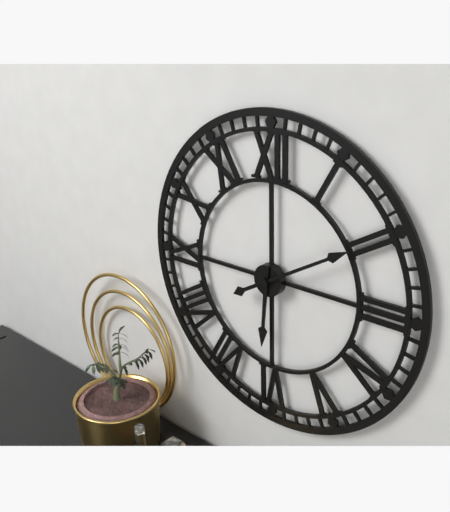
6:10
